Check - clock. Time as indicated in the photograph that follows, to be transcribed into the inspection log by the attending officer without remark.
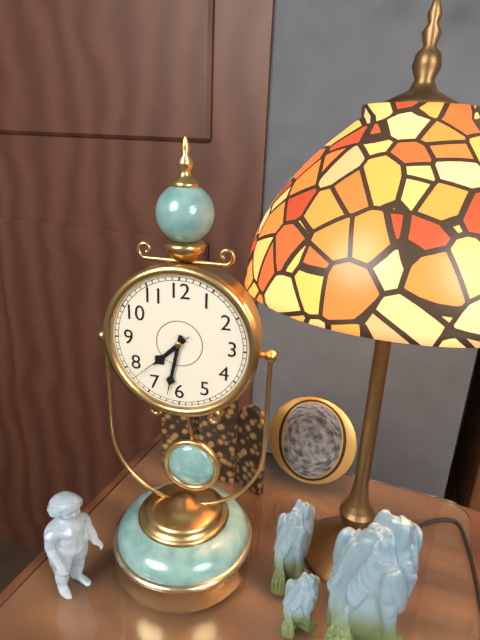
7:32:38
